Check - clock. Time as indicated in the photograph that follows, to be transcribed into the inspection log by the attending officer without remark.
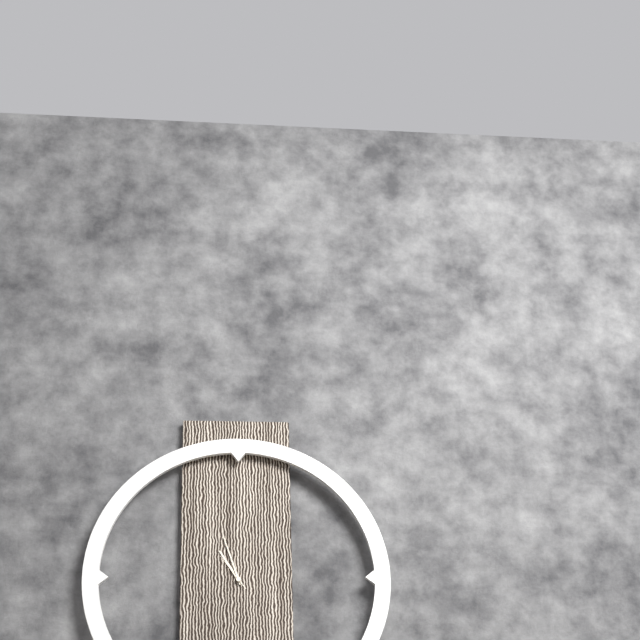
10:57
